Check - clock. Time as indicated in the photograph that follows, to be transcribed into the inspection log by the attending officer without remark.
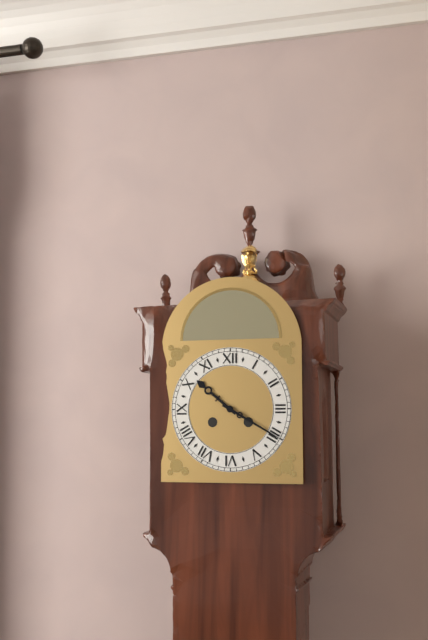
10:20
